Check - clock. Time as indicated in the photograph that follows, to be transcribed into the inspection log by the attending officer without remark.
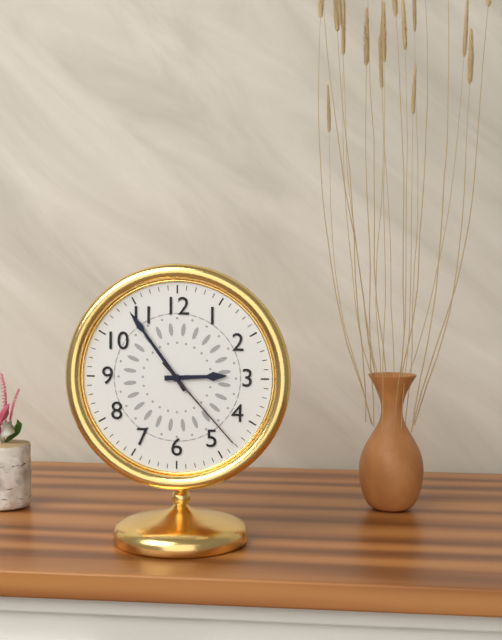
2:54:23
